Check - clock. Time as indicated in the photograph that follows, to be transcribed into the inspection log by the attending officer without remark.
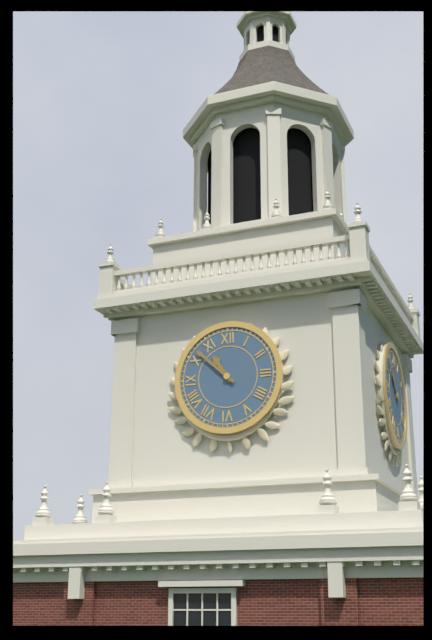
10:52
